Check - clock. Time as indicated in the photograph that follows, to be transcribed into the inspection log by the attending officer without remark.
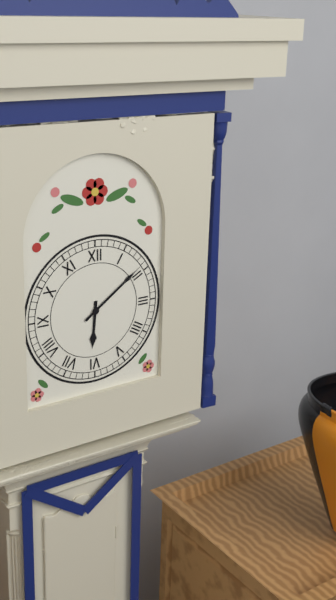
6:09
